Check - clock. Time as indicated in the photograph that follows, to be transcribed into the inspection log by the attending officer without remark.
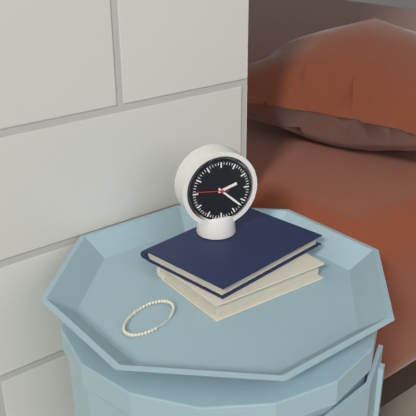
2:22
